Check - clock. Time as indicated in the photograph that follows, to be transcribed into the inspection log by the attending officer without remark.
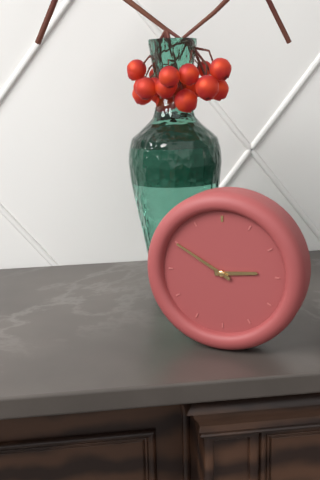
2:50
